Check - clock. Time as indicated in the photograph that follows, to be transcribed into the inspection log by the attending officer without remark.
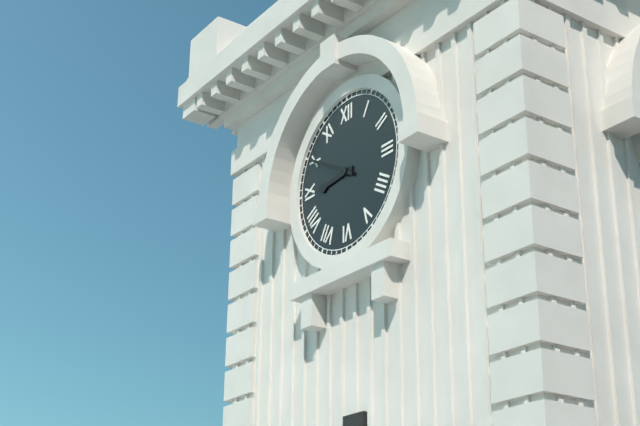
8:50
